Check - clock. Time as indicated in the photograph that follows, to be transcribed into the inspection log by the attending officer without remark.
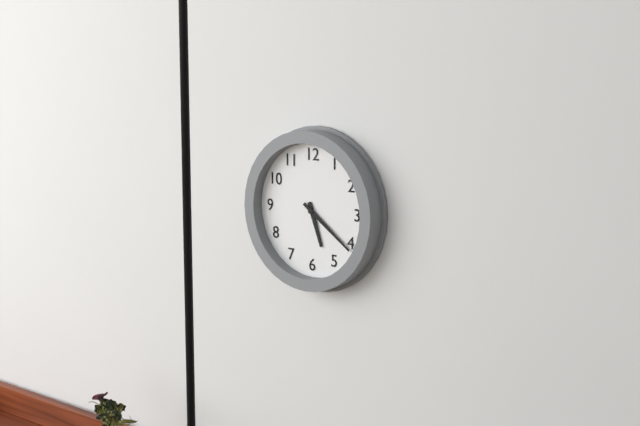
5:21
